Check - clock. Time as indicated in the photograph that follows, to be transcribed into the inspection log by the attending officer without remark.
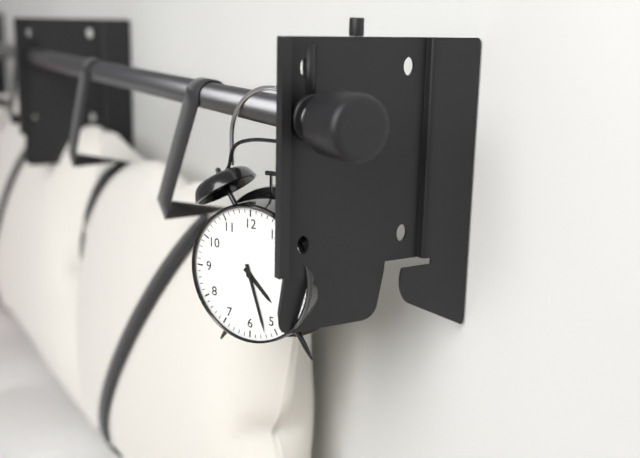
4:27
